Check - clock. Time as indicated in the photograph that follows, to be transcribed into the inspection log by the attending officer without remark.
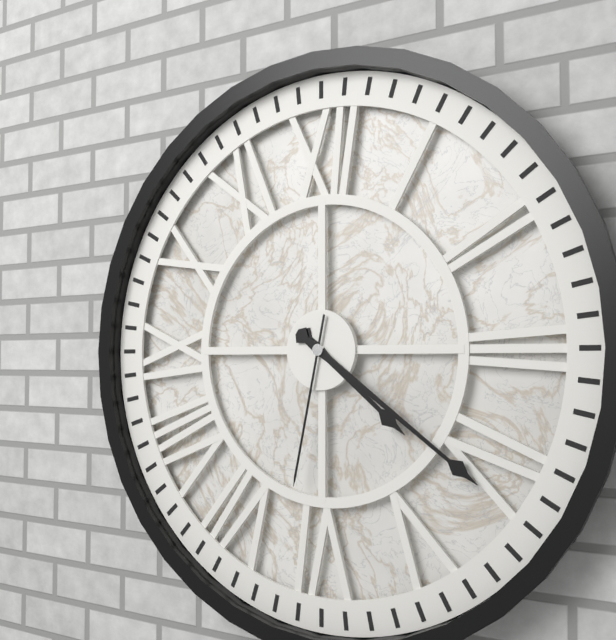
4:21:32
